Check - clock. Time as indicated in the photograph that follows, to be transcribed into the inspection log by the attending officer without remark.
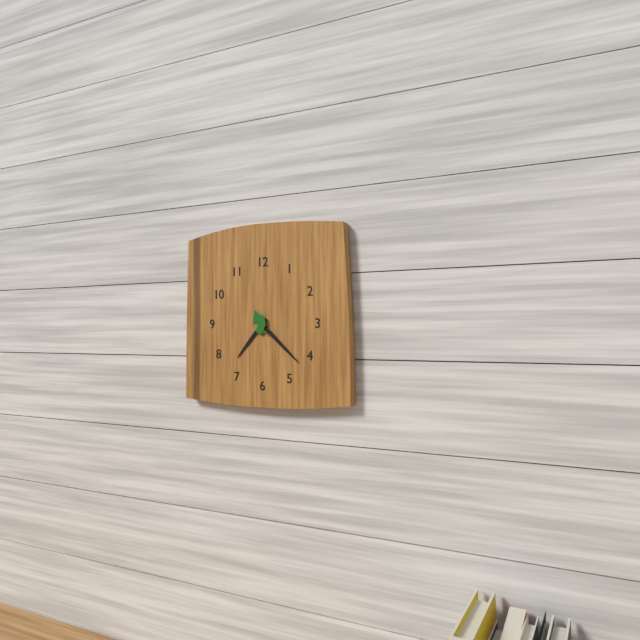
7:22
